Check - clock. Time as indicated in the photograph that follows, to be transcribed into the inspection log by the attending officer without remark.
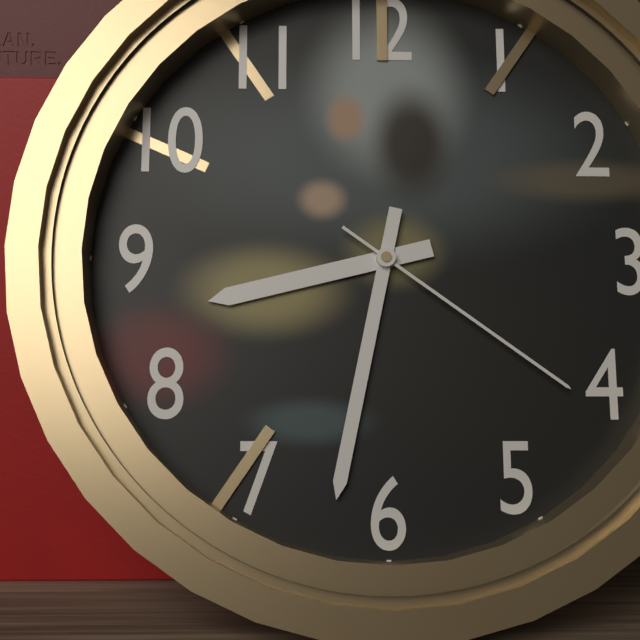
8:32:21
